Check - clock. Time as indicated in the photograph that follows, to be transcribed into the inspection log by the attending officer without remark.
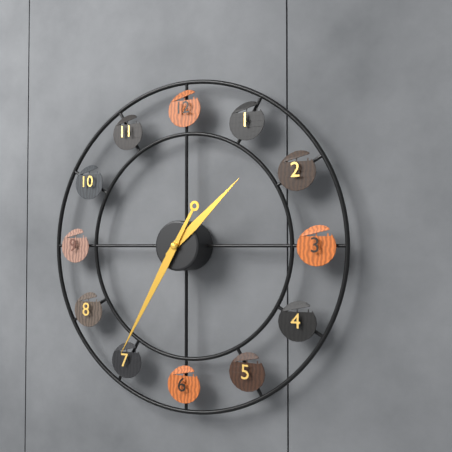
1:35
